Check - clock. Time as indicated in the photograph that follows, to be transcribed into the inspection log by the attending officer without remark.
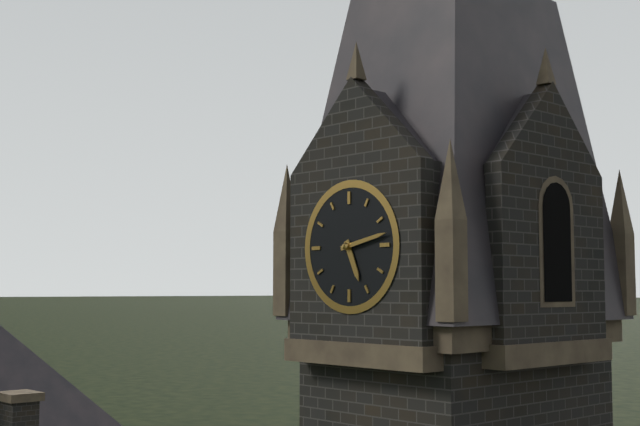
5:13
